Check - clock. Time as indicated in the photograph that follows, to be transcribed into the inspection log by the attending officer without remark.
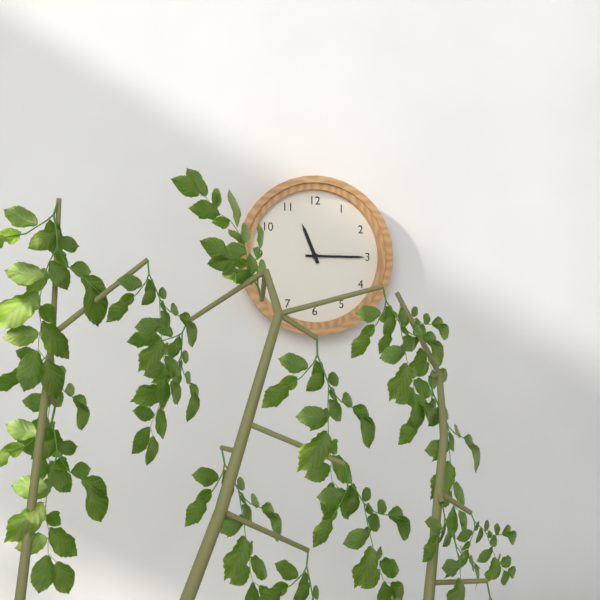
11:15
